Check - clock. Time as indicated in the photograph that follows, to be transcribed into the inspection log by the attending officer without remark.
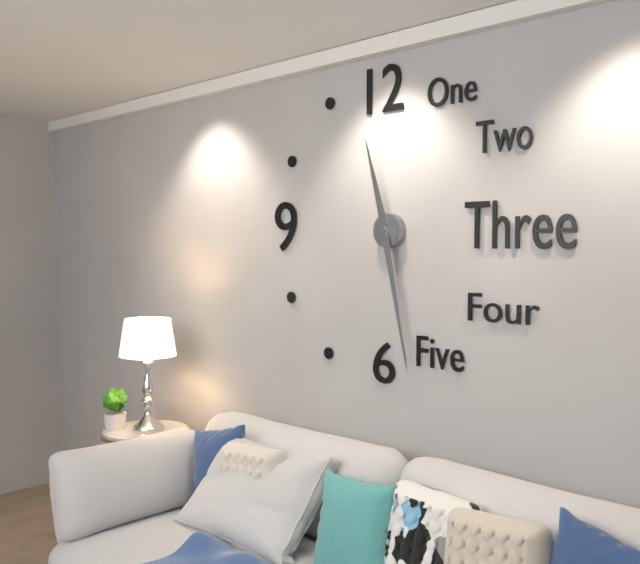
11:28
